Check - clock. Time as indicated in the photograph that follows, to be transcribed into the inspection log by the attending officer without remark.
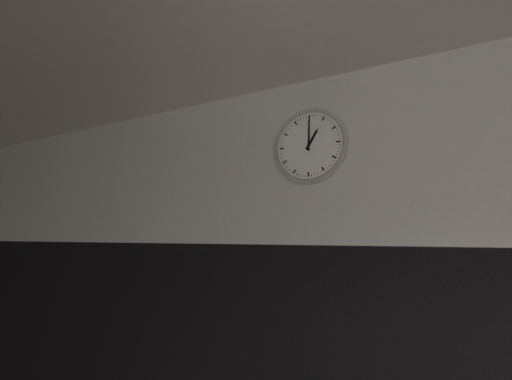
1:00
